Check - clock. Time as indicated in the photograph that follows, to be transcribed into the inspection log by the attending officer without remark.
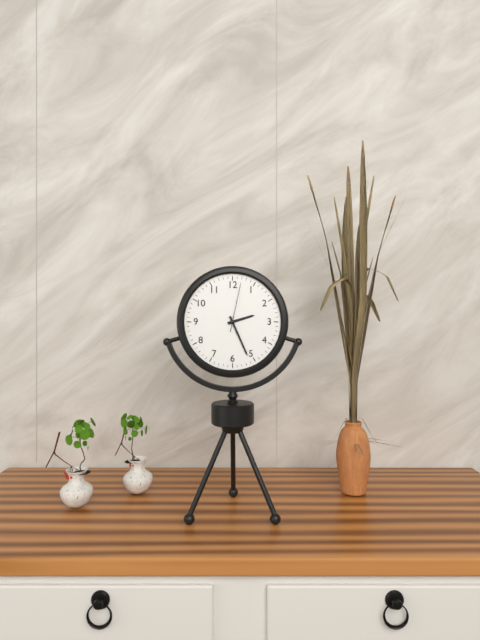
2:26:02
